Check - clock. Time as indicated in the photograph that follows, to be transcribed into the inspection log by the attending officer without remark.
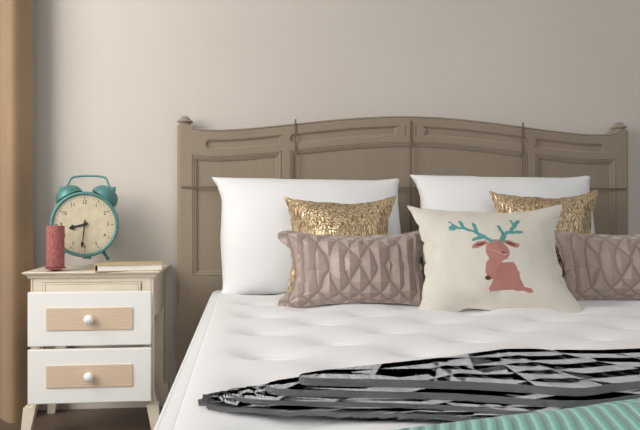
8:31
